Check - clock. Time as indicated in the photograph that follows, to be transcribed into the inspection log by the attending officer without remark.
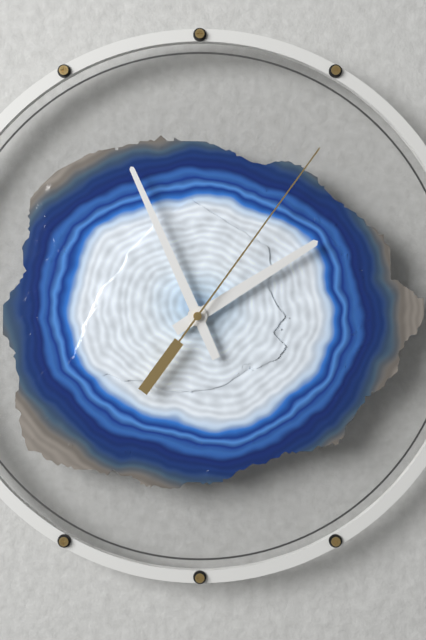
1:56:06
